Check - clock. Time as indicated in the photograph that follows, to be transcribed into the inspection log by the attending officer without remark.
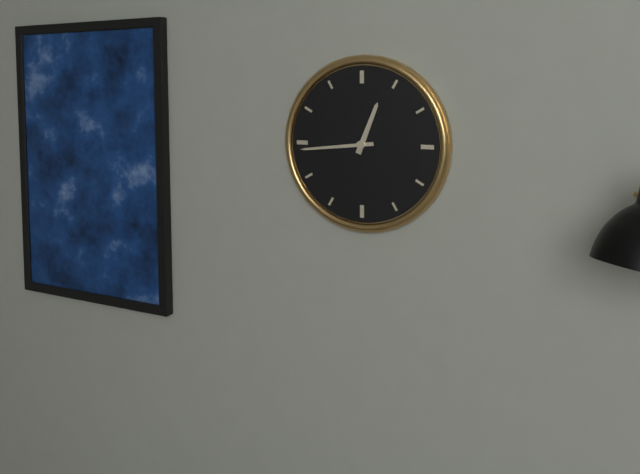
12:44
